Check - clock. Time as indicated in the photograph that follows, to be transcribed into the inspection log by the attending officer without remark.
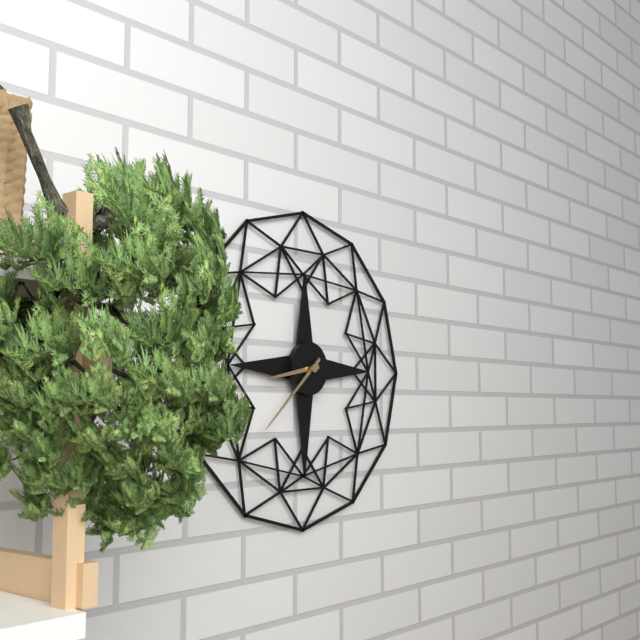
8:38
